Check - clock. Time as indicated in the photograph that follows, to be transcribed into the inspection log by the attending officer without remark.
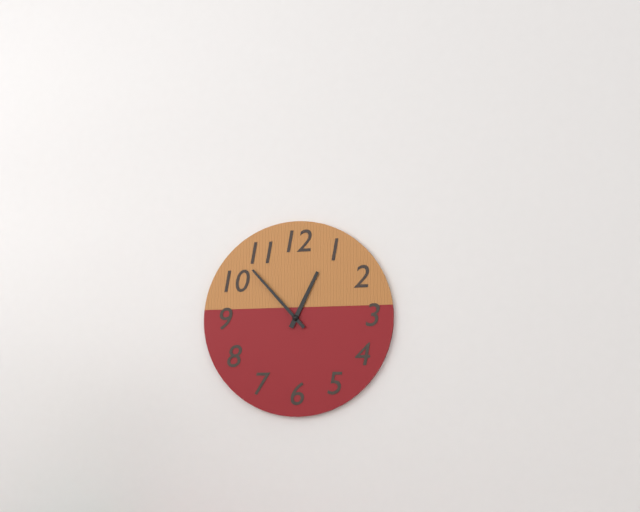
12:53
